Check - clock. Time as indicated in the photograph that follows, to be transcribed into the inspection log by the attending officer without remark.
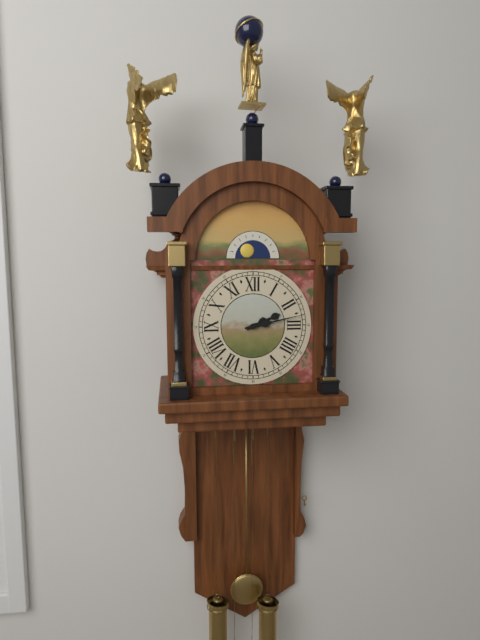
2:13
